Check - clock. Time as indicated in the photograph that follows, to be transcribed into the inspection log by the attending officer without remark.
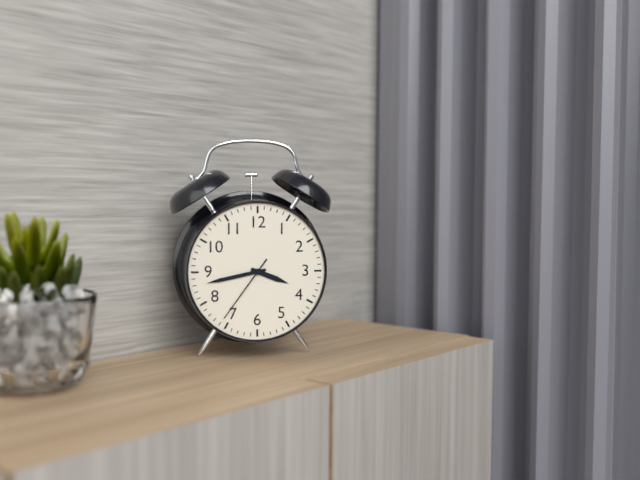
3:43:36
